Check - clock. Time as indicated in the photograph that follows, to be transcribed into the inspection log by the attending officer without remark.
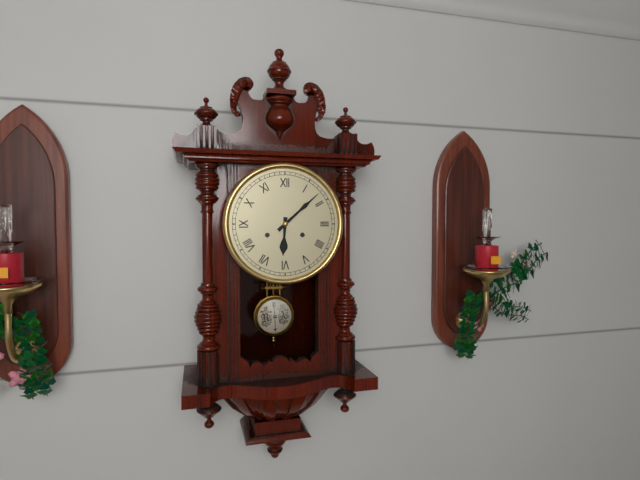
6:08
